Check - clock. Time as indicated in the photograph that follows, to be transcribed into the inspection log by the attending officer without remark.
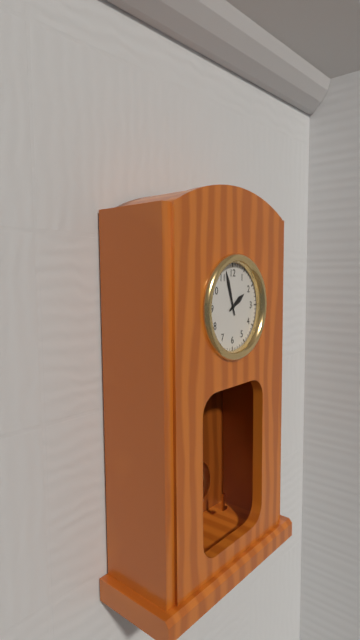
1:57
